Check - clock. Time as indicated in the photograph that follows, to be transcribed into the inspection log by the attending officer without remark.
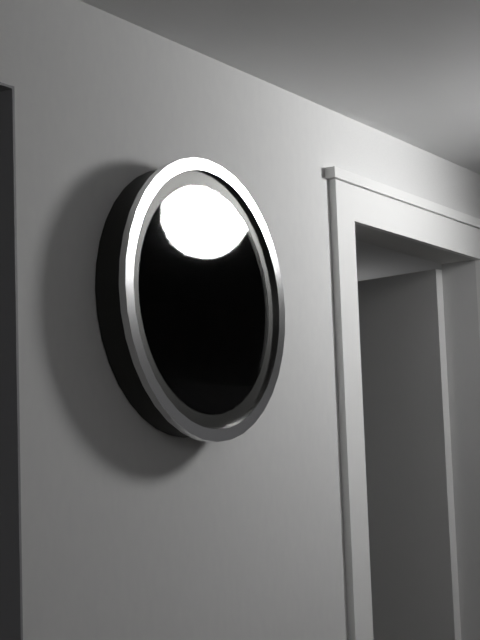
8:53
